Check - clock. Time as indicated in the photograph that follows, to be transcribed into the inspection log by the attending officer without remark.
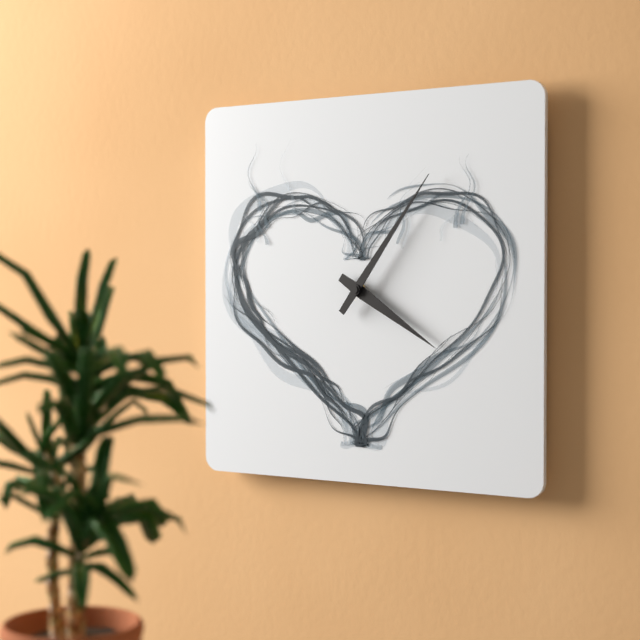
4:06
